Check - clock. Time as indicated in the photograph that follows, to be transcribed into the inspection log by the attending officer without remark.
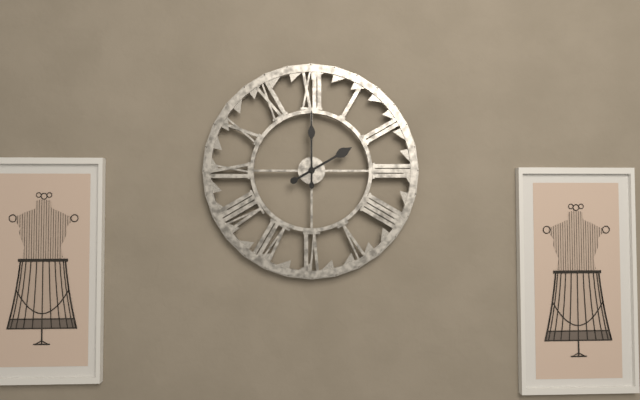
2:00
